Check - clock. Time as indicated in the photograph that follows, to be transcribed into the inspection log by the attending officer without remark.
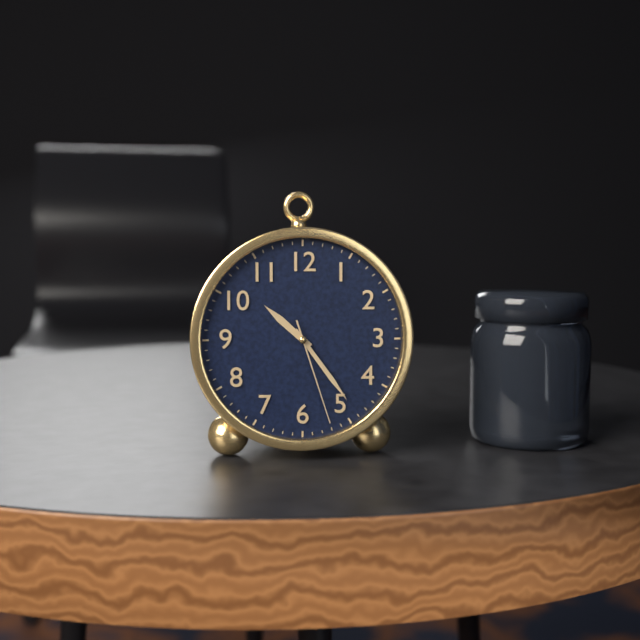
10:24:27
